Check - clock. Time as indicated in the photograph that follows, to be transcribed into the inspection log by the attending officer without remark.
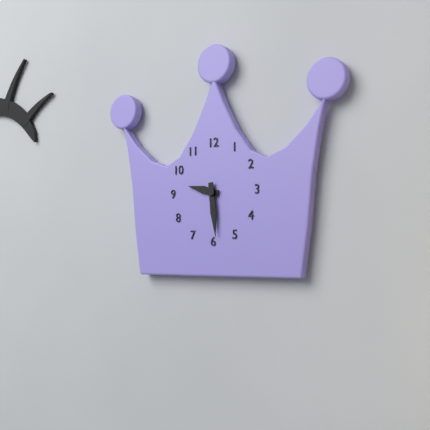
9:29
